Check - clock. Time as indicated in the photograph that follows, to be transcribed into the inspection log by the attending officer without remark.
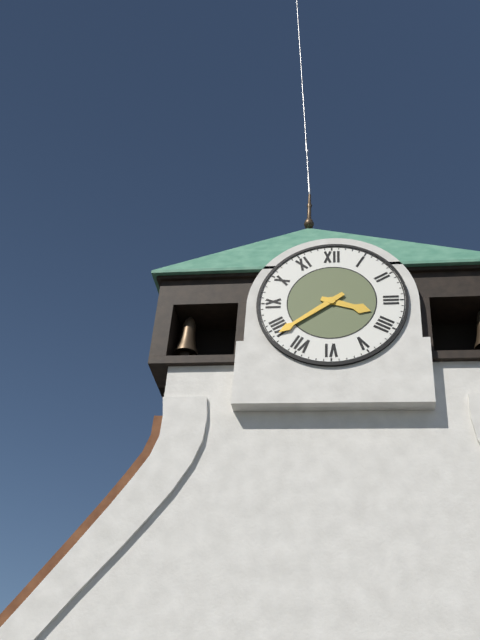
3:39
